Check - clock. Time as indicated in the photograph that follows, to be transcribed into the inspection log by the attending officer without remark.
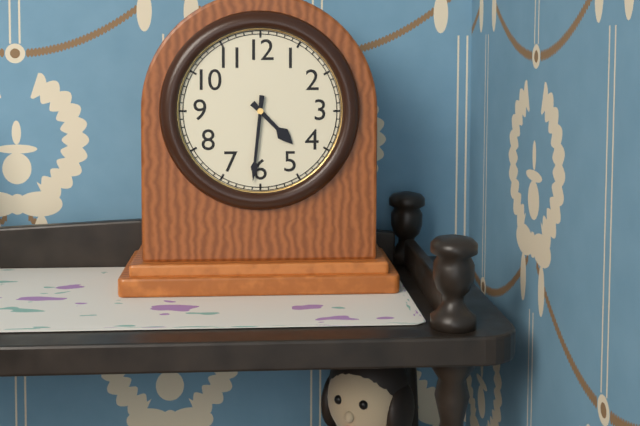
4:31
